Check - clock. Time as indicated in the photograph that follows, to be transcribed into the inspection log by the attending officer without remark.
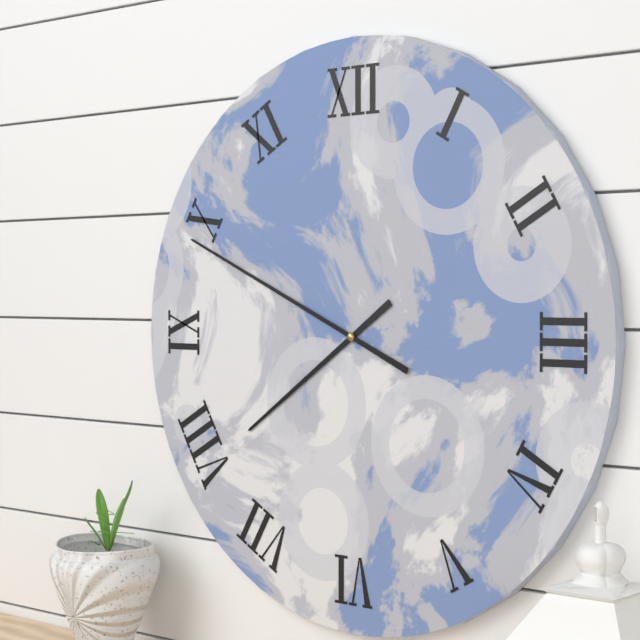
7:49
